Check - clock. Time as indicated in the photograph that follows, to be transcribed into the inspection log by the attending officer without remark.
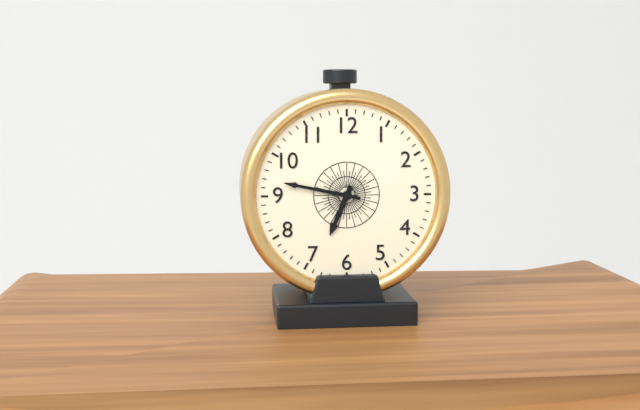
6:47
